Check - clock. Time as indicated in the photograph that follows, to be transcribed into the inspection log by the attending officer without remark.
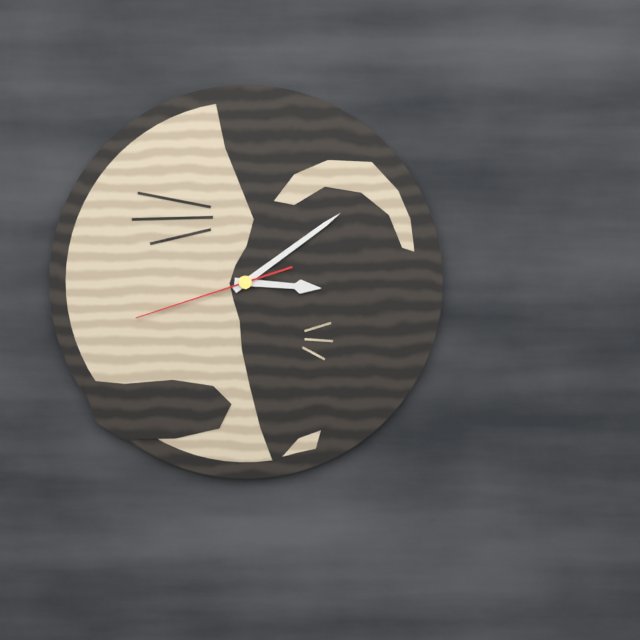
3:09:42
